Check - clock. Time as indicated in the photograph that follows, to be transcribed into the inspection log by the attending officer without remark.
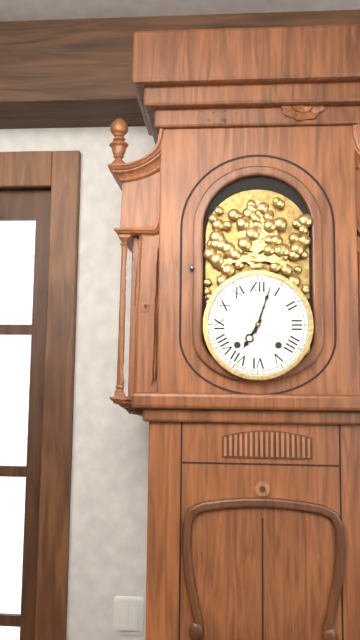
7:03
